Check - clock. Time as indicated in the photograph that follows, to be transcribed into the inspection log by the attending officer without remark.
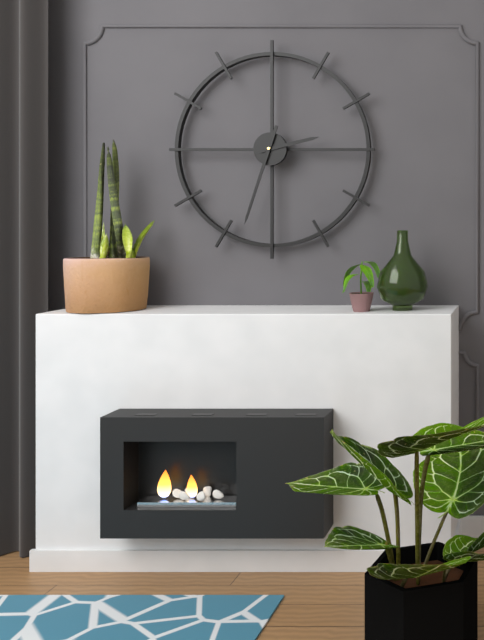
2:33
